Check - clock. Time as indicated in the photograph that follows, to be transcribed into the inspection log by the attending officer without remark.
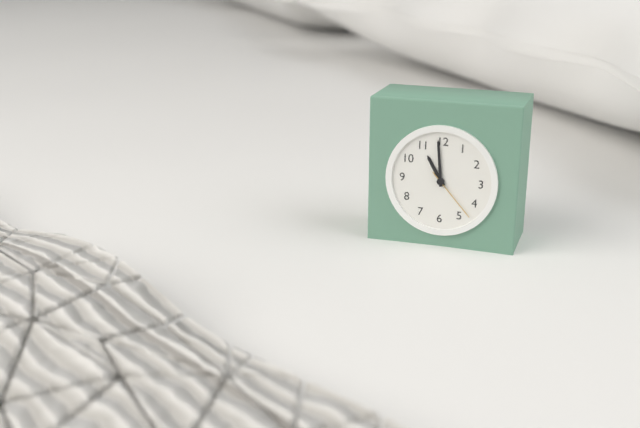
10:59:23
